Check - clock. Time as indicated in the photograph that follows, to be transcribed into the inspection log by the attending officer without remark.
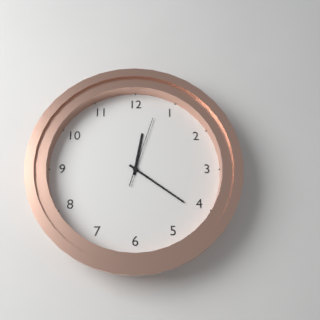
12:21:03
